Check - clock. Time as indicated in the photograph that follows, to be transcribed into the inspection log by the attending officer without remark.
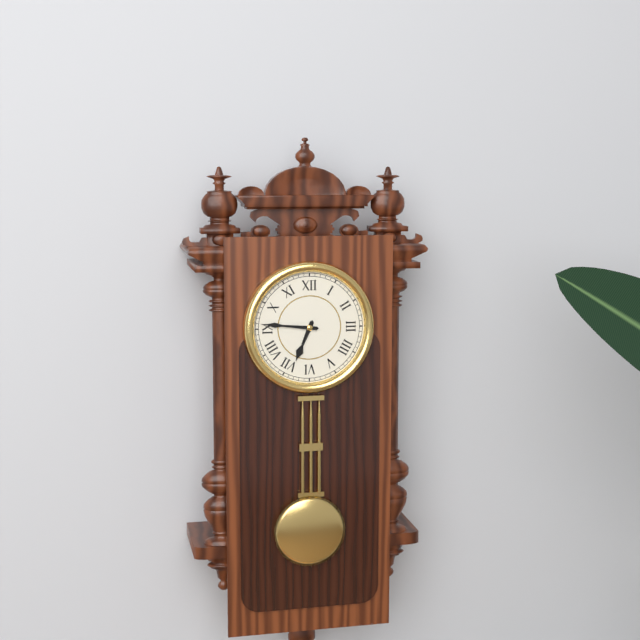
6:46
